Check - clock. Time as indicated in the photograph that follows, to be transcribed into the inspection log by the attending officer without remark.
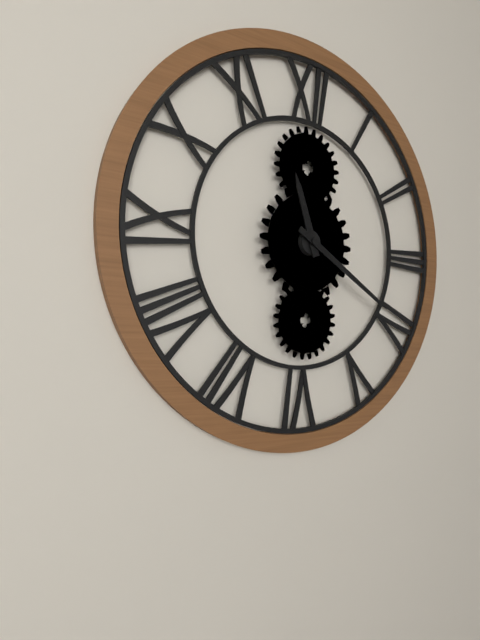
11:20
